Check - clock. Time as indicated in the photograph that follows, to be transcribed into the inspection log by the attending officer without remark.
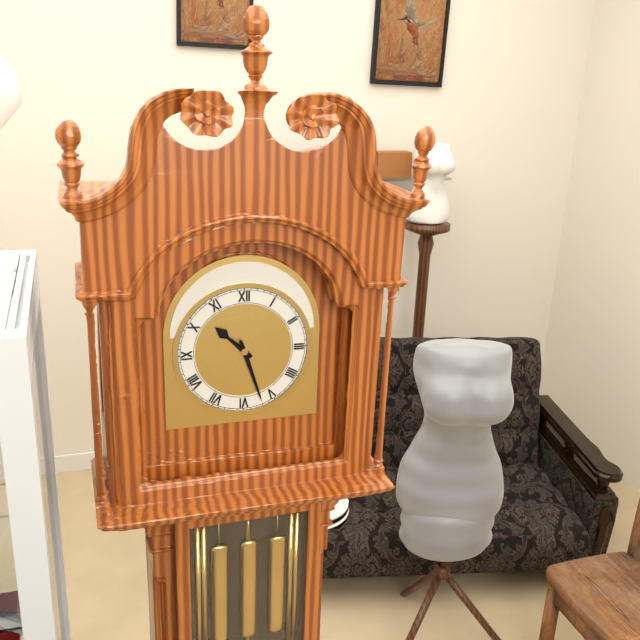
10:27
